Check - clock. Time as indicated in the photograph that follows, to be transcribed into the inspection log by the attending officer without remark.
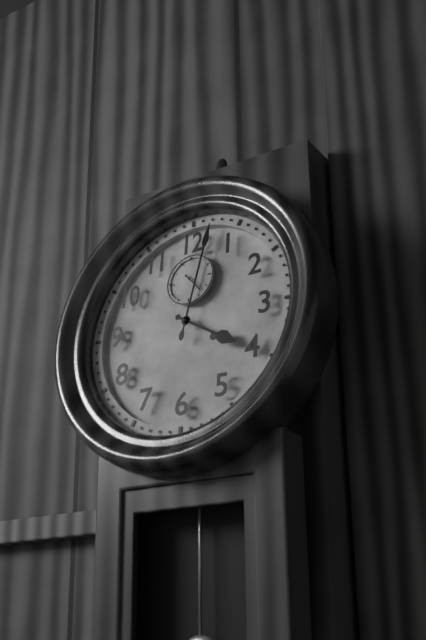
4:02
